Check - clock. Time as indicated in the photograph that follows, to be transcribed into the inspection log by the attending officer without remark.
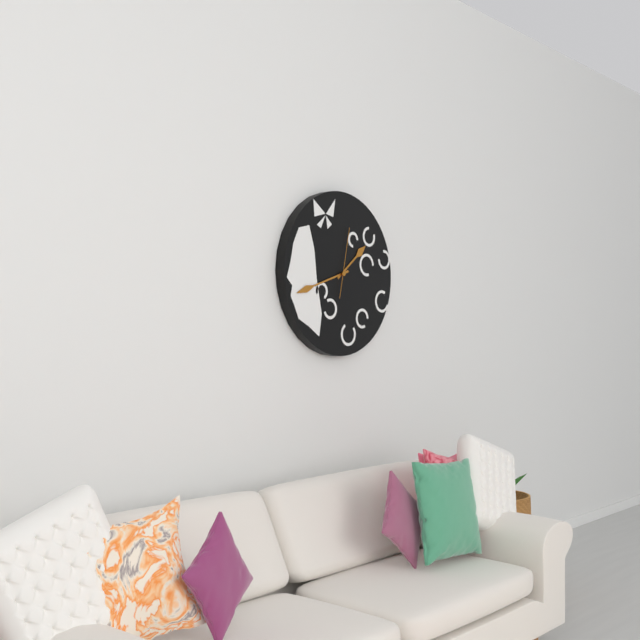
1:42:02
